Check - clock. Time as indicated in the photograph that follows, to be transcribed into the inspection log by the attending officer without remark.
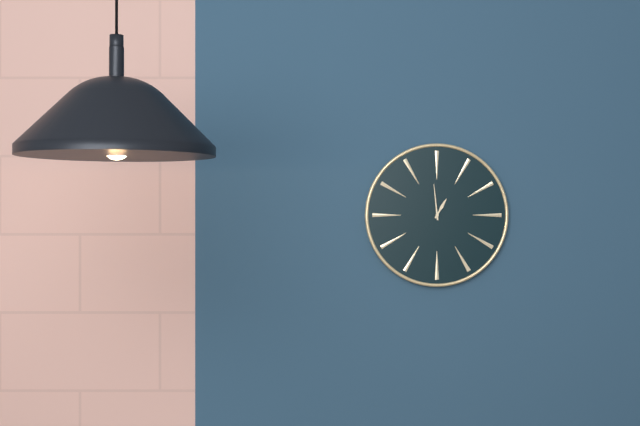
12:59
